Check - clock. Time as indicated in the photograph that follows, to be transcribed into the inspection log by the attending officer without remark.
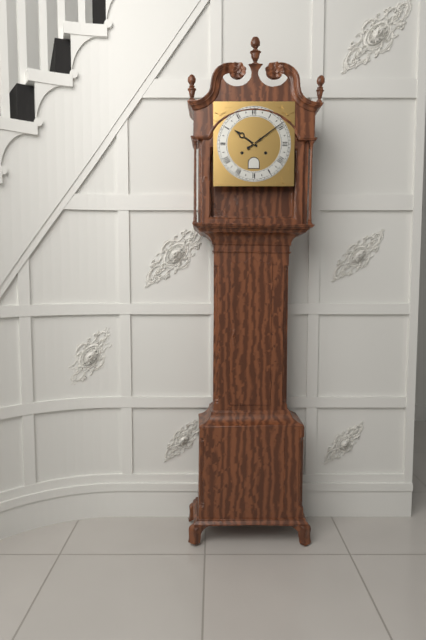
10:09
